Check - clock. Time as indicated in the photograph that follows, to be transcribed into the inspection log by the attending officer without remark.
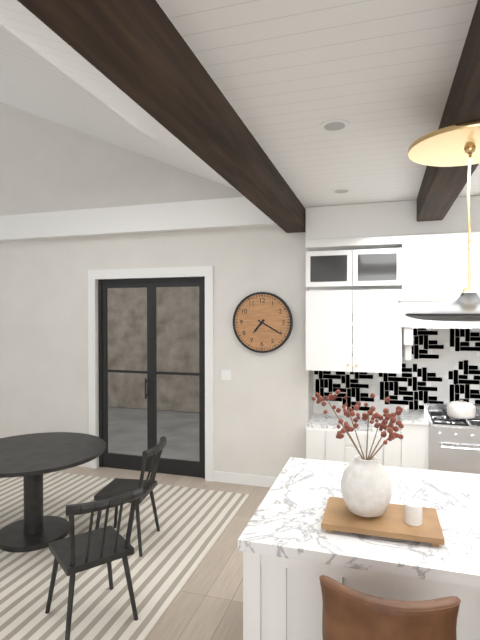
7:20
